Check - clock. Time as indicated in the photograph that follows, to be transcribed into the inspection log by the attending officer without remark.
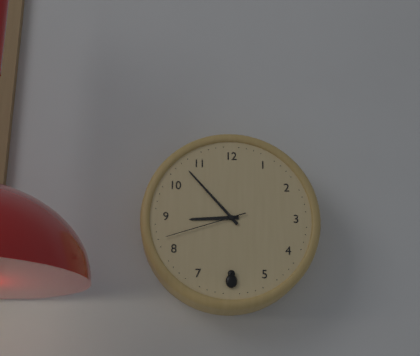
8:53:42
